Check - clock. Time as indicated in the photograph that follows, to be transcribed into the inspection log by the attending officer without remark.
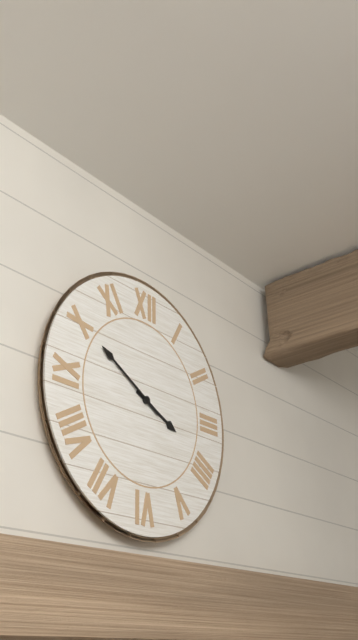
3:50
